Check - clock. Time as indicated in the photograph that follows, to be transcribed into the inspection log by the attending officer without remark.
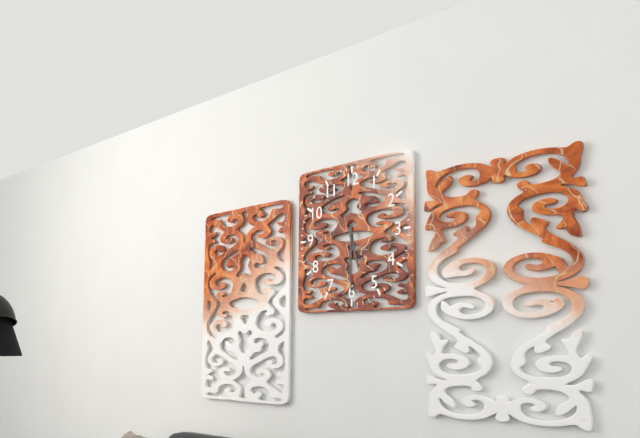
5:30
